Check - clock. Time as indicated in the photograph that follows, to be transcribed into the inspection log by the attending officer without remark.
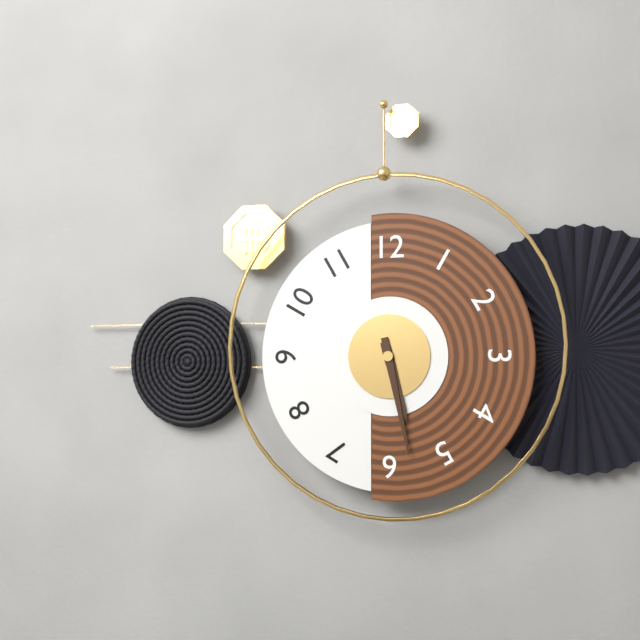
5:28
